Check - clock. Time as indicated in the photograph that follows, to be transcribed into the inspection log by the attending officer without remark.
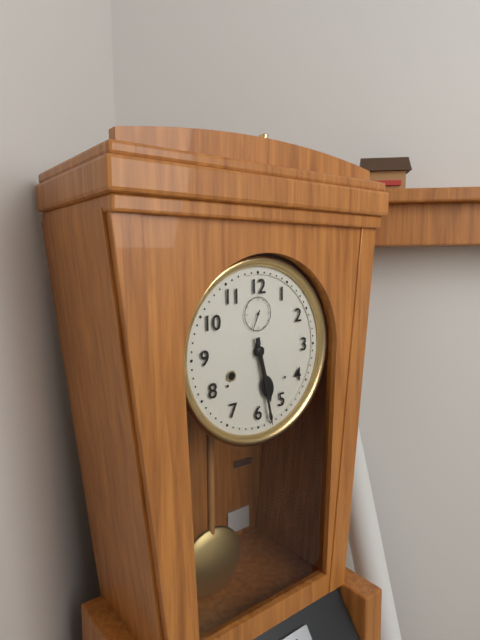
5:28
